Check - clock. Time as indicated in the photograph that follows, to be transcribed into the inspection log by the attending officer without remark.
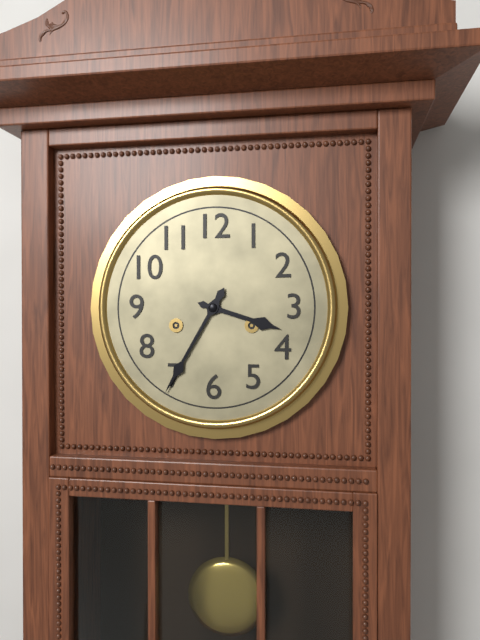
3:35
